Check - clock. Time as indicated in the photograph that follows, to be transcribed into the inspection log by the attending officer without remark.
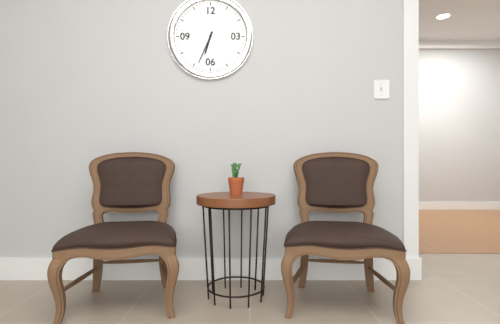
6:34
